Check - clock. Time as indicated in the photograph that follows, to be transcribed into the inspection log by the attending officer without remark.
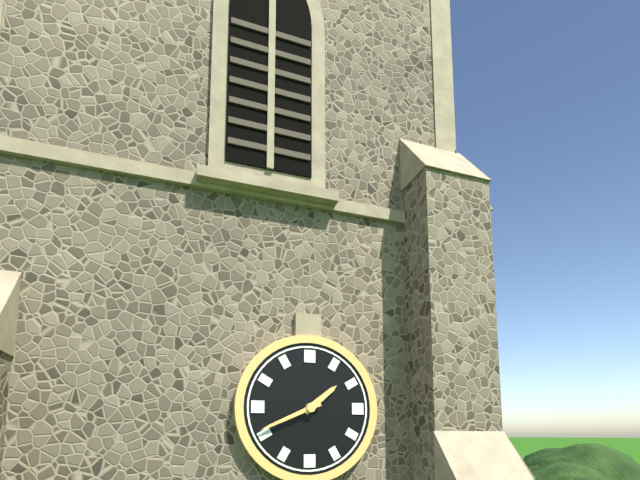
1:41
